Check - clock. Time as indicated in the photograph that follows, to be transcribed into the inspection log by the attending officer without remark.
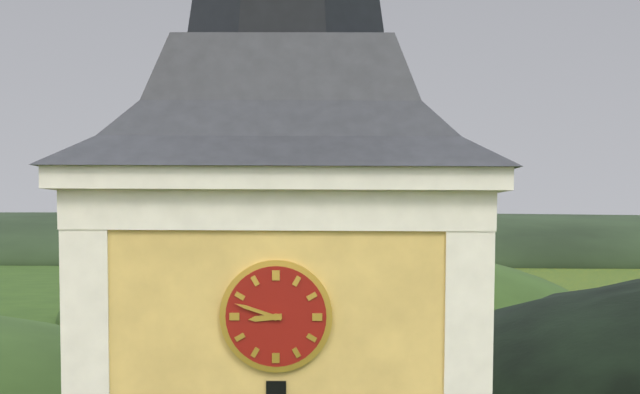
8:48
